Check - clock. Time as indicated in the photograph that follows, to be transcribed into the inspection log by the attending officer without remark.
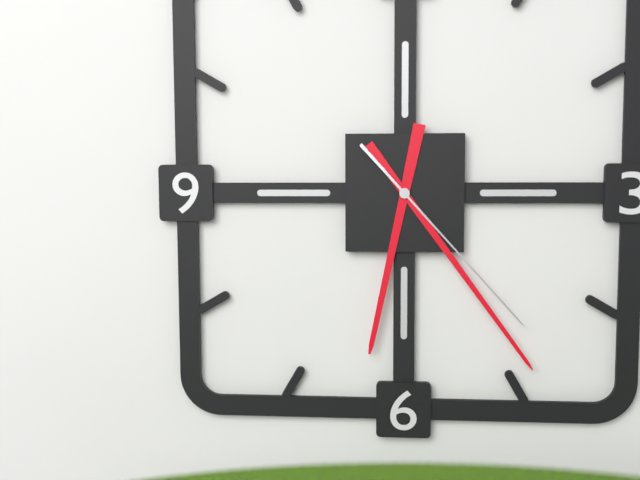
6:24:23
